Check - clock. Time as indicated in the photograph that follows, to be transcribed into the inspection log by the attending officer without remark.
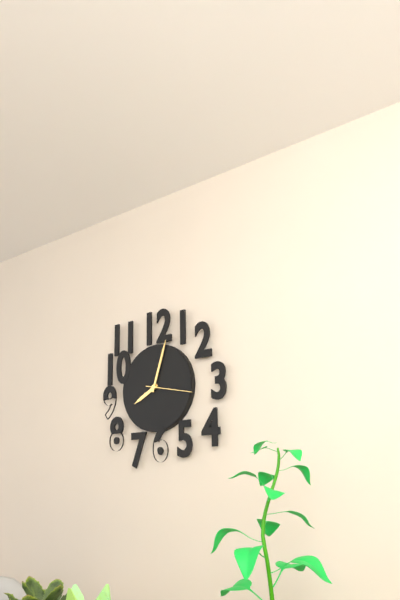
8:03
